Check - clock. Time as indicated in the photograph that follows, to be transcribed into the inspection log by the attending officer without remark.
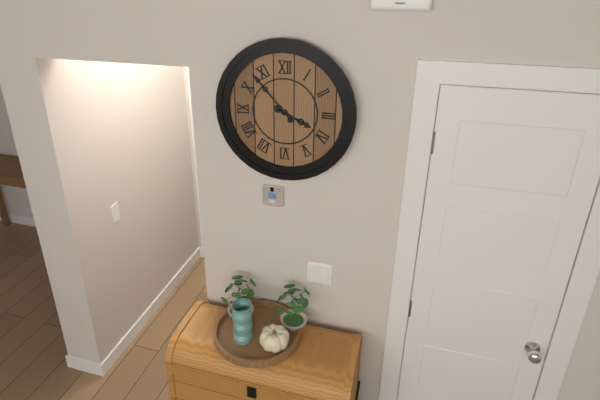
3:53
